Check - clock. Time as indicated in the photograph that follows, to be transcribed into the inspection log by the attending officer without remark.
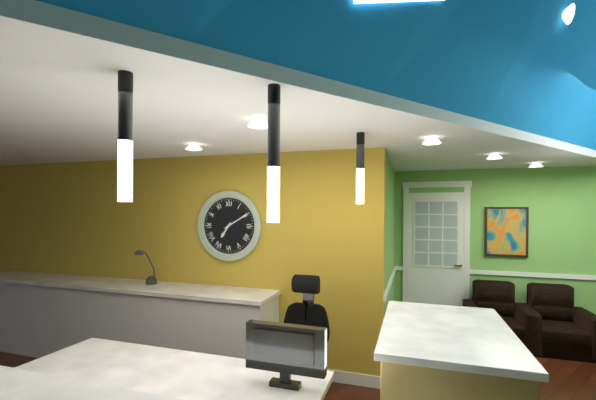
7:10
